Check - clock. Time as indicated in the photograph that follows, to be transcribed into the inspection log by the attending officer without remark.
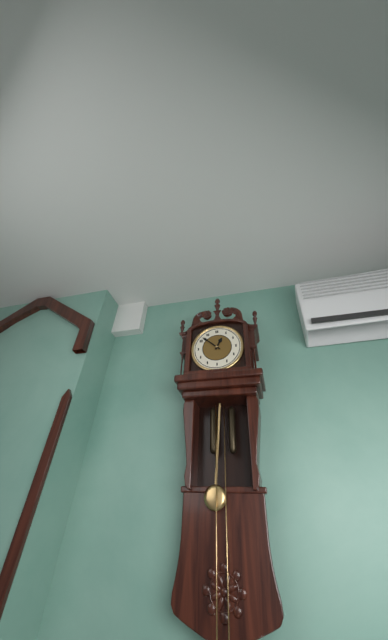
12:52
